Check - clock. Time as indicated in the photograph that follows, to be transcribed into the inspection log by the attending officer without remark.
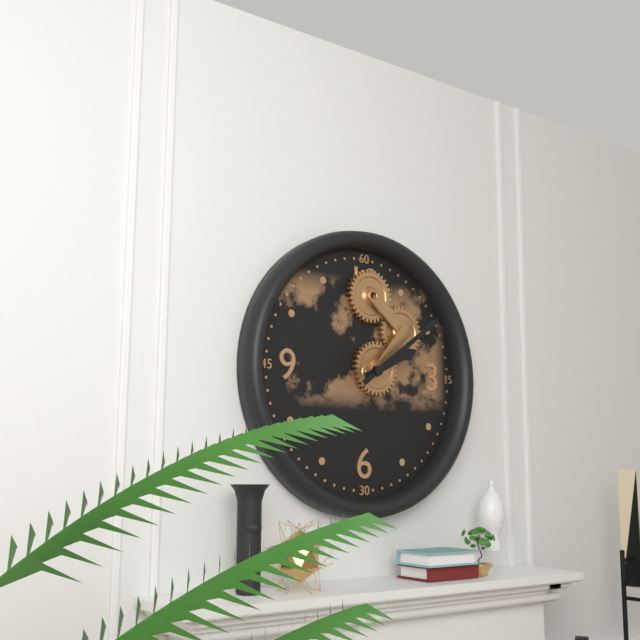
2:09
